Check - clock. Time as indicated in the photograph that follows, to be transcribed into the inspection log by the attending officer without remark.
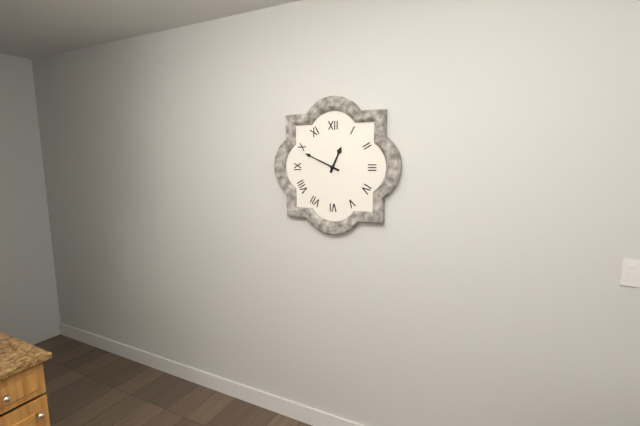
12:49
